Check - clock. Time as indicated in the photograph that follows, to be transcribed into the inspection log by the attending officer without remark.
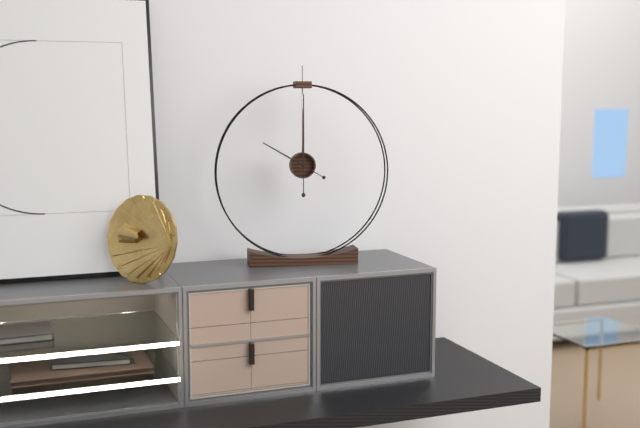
10:00
